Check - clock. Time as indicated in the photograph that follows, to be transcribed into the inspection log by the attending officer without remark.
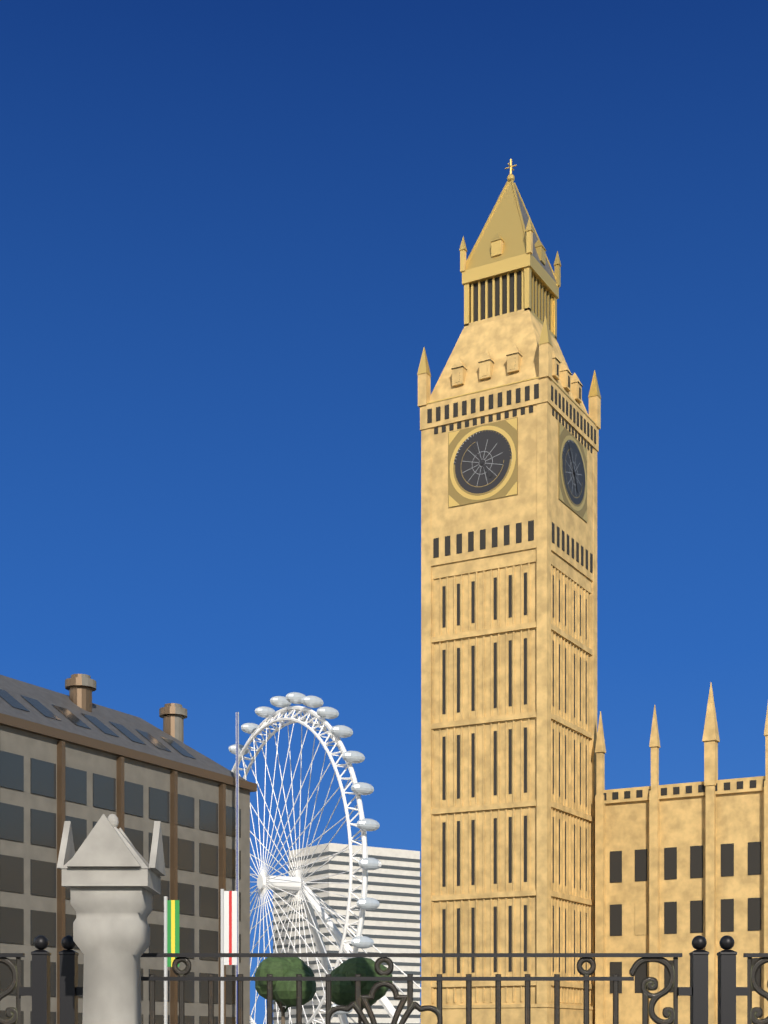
4:55
